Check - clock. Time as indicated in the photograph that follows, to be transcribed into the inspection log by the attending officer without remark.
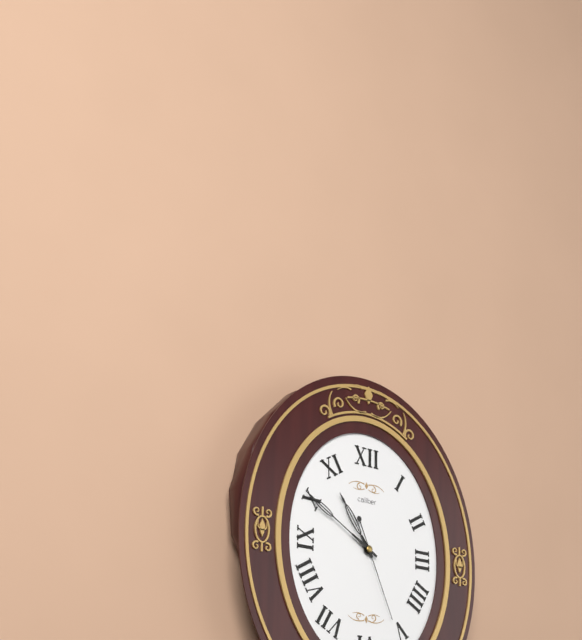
10:50:26
